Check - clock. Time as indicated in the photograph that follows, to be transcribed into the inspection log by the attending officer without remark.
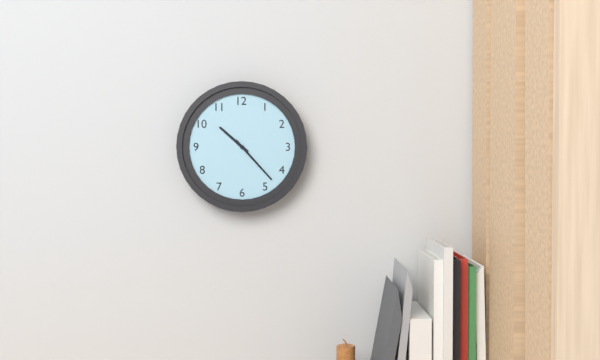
10:23
